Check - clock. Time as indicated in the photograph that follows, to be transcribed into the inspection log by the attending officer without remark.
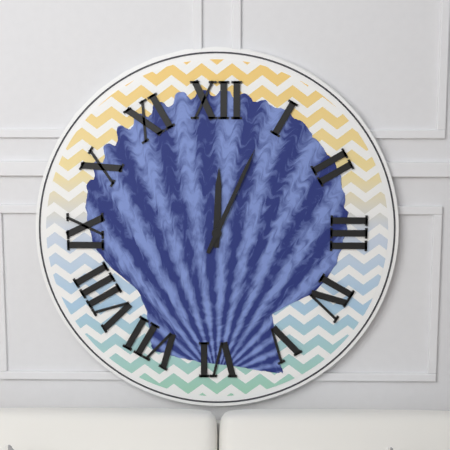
12:04
